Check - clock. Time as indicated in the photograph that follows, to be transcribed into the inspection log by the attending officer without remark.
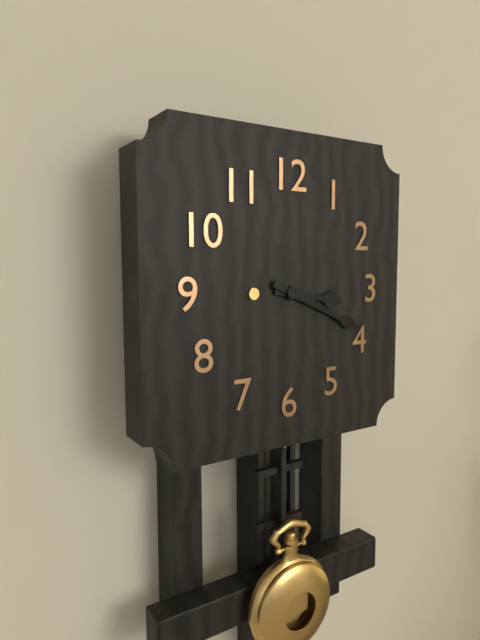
3:19
